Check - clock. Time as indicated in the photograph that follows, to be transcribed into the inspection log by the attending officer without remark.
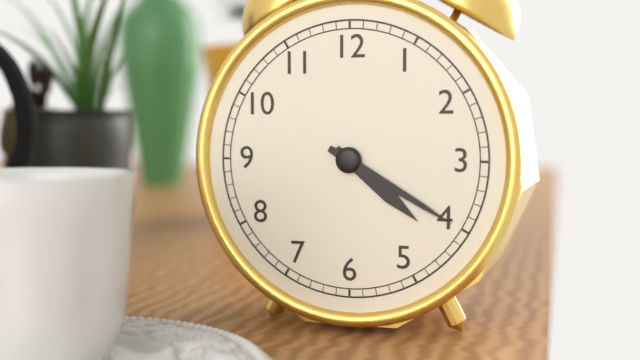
4:20
